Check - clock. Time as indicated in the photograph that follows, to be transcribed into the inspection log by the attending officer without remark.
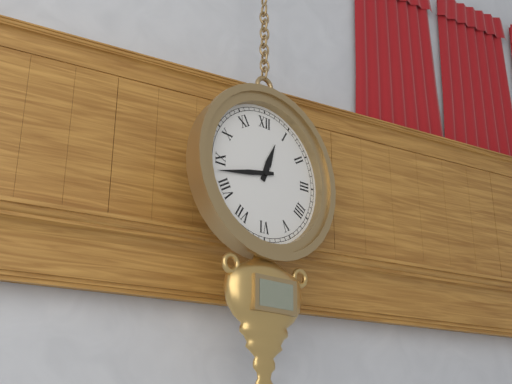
12:43
